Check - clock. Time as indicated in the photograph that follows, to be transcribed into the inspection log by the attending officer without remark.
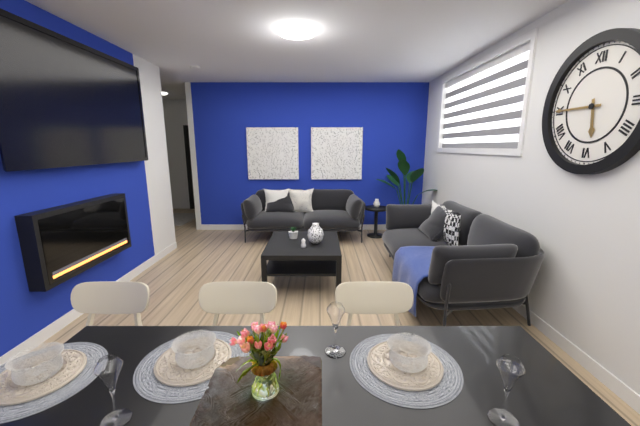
5:45
